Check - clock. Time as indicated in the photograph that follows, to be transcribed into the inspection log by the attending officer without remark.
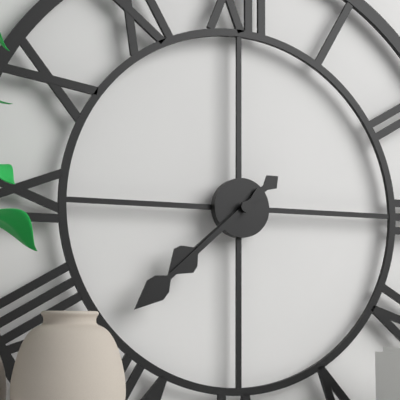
7:38
